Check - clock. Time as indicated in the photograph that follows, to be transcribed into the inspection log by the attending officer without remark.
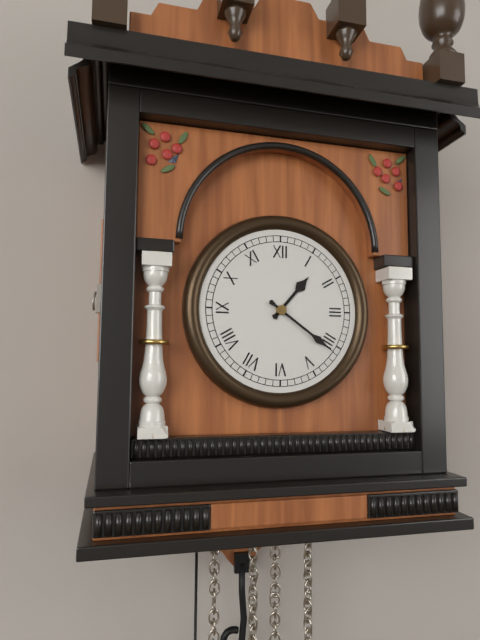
1:21
